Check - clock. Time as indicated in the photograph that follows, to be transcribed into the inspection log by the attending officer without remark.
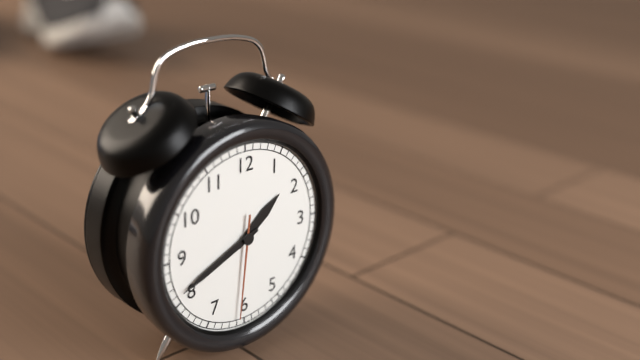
1:41:31
